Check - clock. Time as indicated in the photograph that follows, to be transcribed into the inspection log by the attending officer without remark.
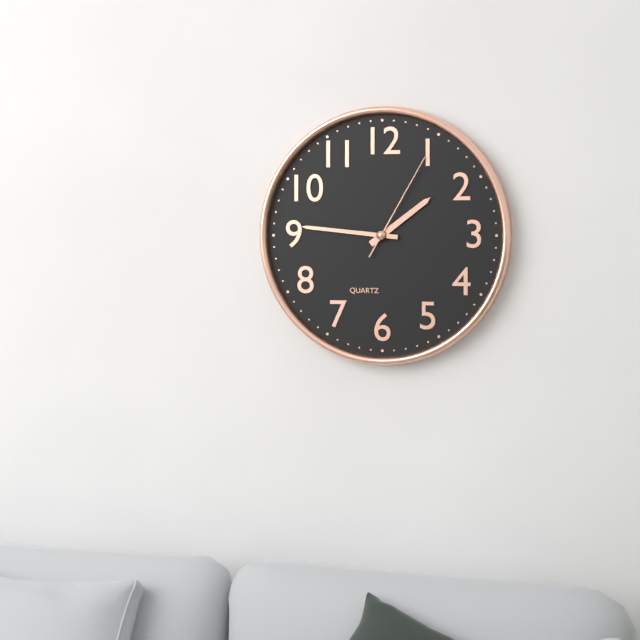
1:46:05
